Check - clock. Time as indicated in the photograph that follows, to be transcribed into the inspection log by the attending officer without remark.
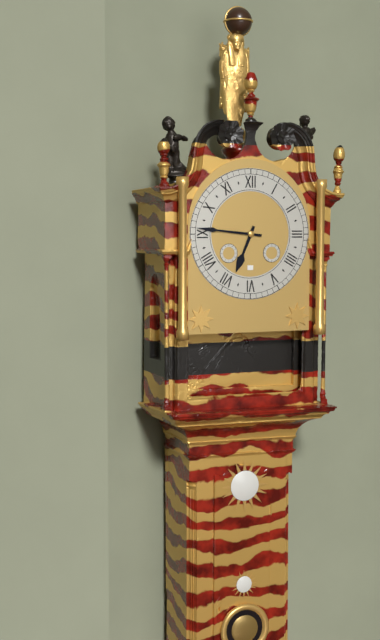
6:46
